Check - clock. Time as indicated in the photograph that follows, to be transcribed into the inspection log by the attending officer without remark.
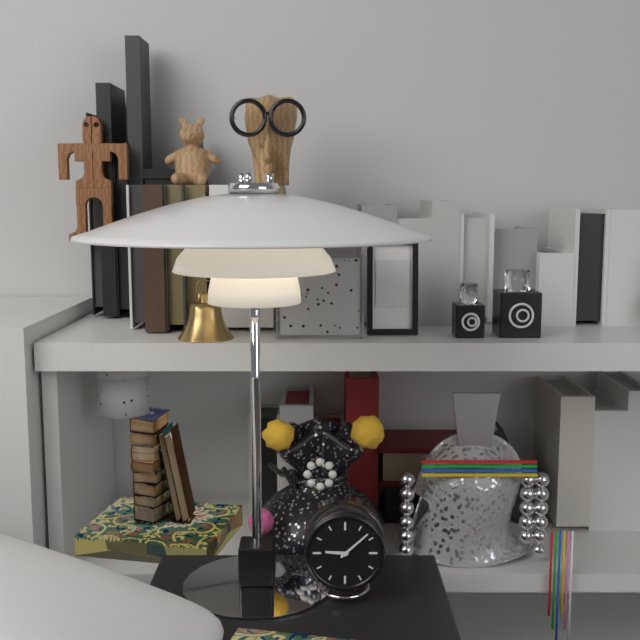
9:08
